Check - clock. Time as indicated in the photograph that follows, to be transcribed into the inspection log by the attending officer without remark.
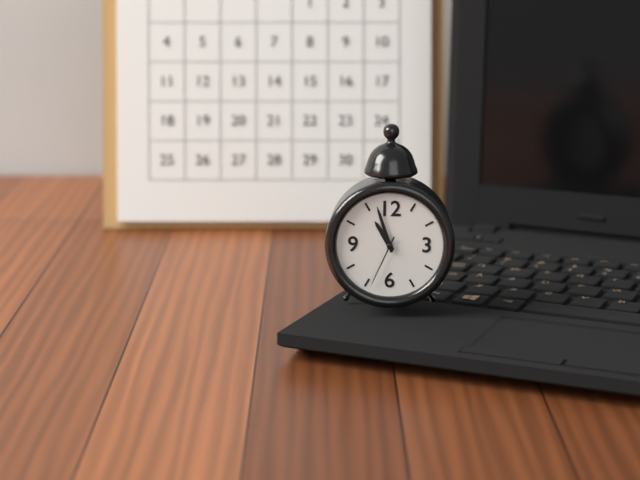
10:57:34
